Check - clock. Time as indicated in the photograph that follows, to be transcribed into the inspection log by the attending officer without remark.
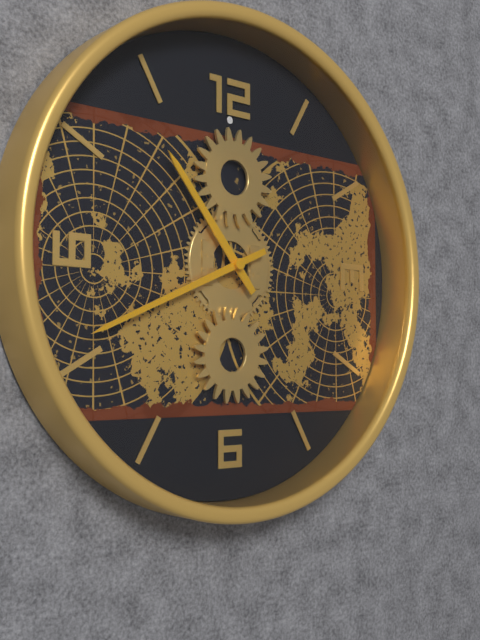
10:41
